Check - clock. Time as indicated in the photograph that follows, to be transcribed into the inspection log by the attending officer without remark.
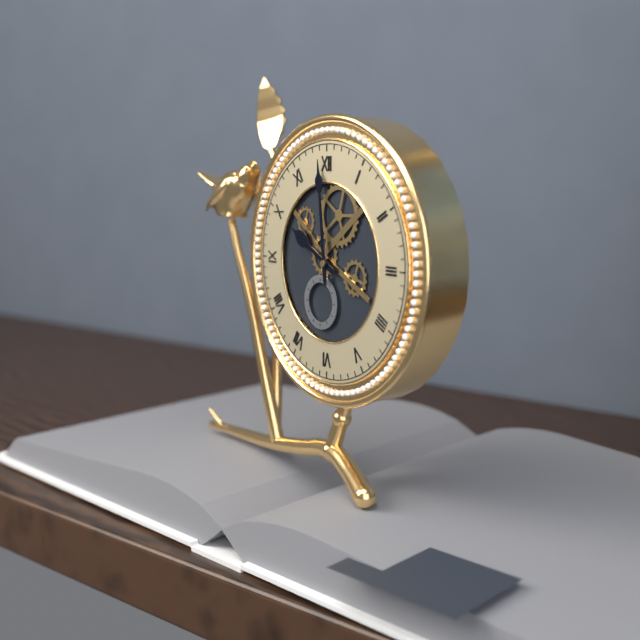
9:59
